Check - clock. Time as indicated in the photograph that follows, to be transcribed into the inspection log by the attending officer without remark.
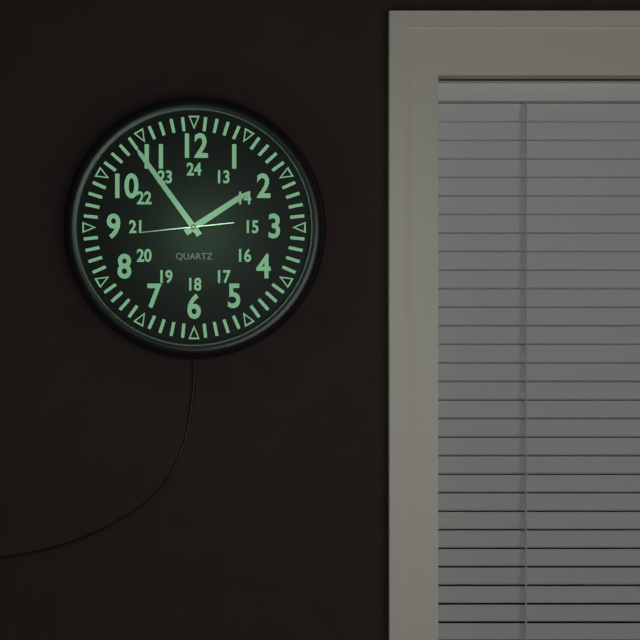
1:54:44
